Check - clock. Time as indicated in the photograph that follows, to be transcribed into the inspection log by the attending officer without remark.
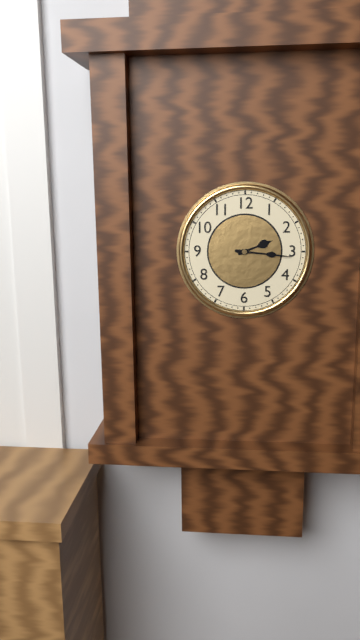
2:16
